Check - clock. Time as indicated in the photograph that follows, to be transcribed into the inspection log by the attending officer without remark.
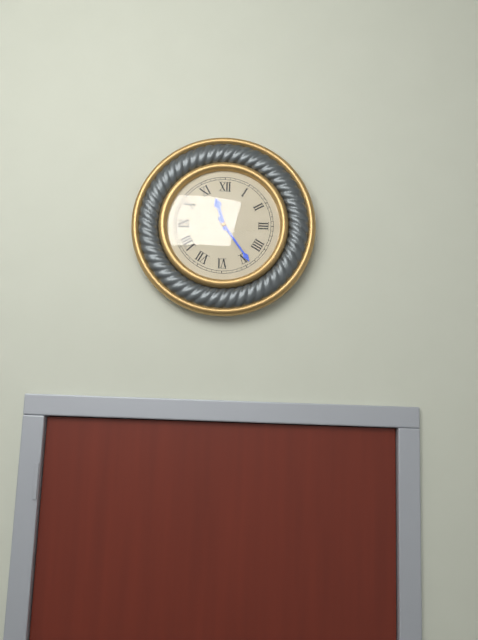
11:24
